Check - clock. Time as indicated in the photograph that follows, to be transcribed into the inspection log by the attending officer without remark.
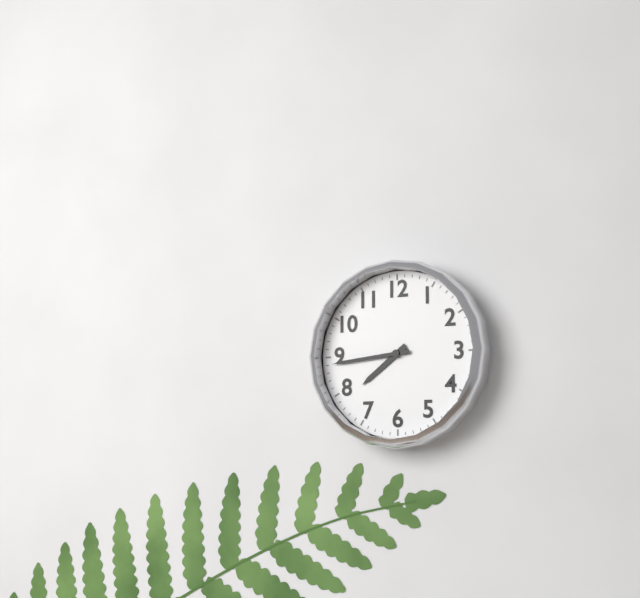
7:44
